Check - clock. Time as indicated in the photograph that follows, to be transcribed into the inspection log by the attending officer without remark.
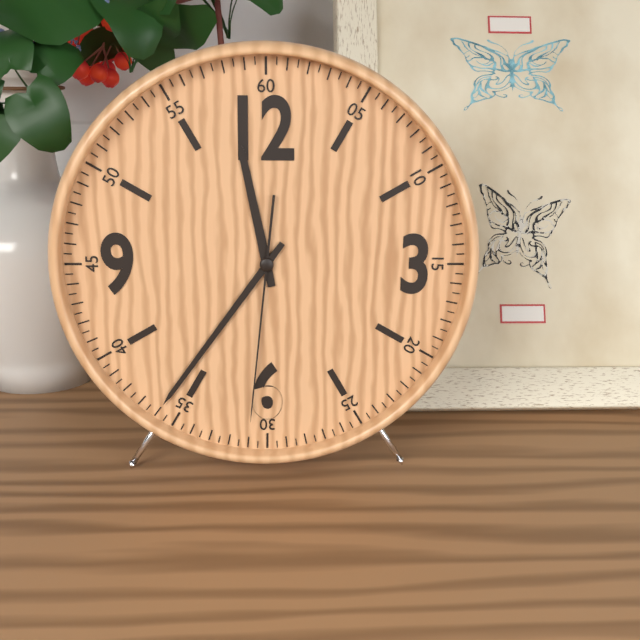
11:36:31
